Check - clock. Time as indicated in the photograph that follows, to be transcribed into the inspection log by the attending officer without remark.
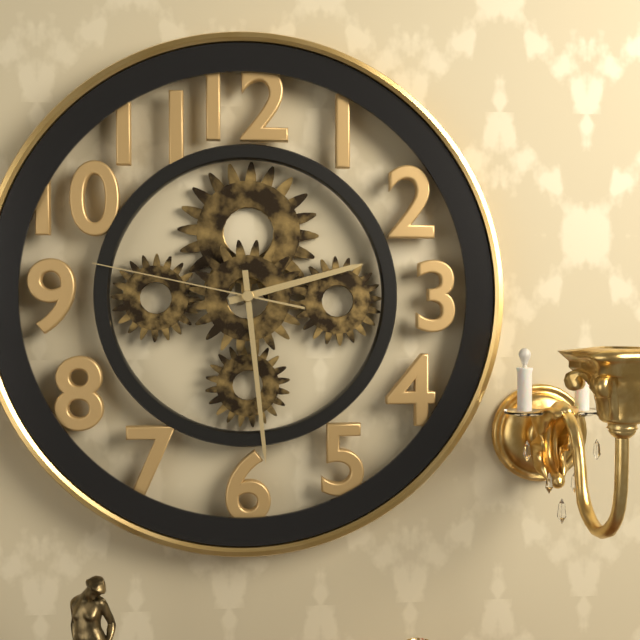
2:29:47
